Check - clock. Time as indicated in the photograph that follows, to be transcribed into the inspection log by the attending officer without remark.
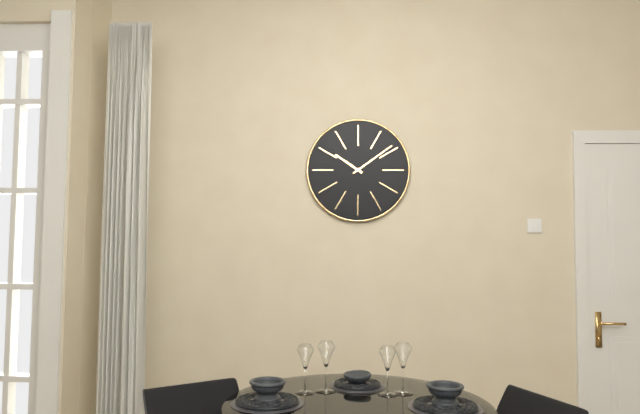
10:09
